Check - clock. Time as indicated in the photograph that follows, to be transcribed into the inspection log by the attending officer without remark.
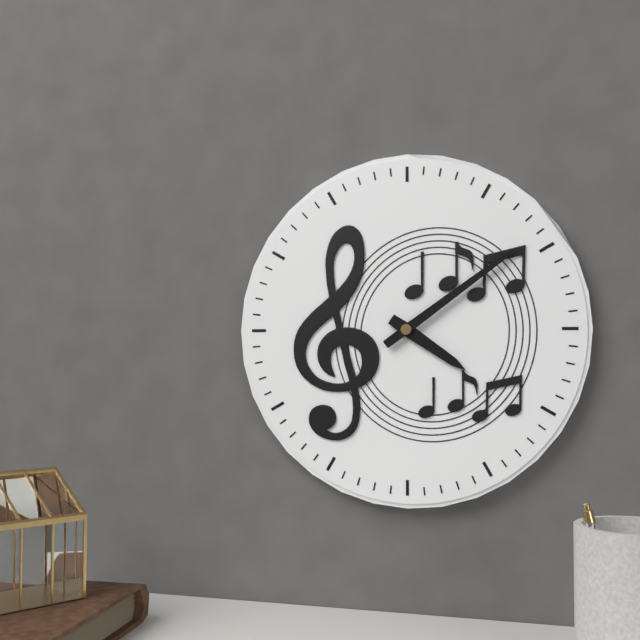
4:09
